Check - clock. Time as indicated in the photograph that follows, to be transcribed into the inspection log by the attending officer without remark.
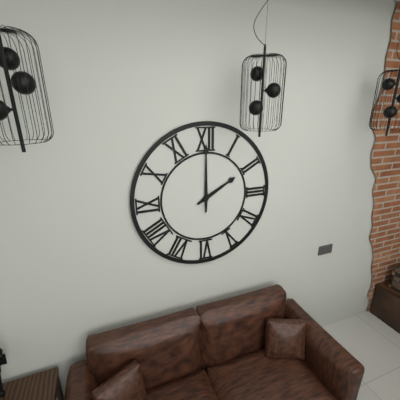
2:00
